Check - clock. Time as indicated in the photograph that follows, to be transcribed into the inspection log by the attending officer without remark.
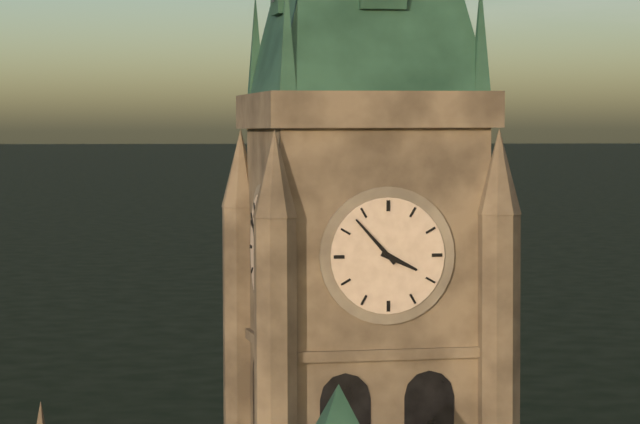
3:53
